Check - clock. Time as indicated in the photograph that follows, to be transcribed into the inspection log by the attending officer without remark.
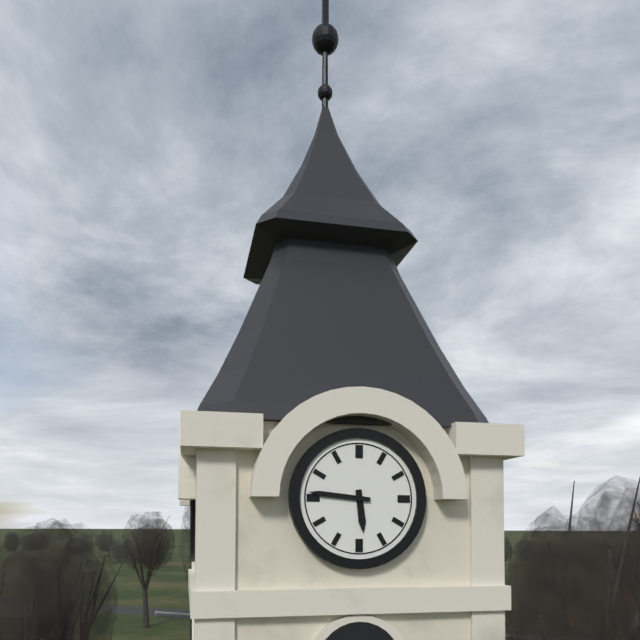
5:46
